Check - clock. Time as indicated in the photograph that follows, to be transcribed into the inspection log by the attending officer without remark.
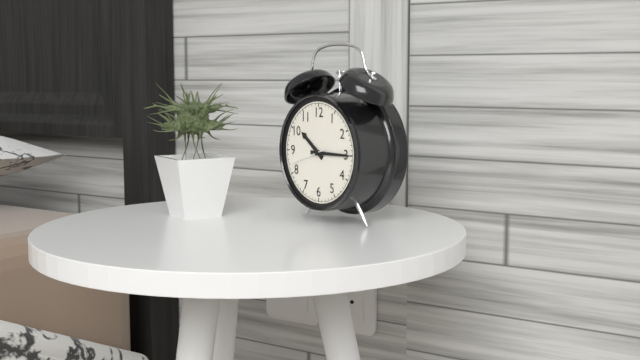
10:15
